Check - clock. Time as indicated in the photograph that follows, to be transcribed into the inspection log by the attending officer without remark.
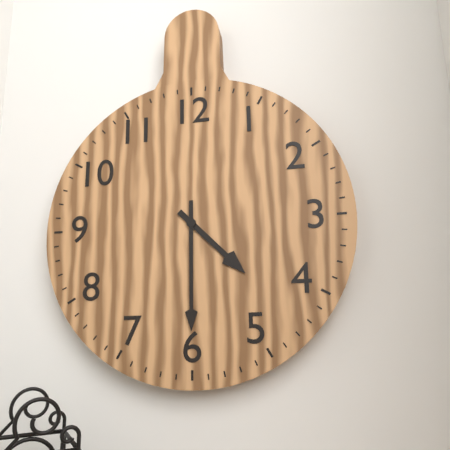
4:30
